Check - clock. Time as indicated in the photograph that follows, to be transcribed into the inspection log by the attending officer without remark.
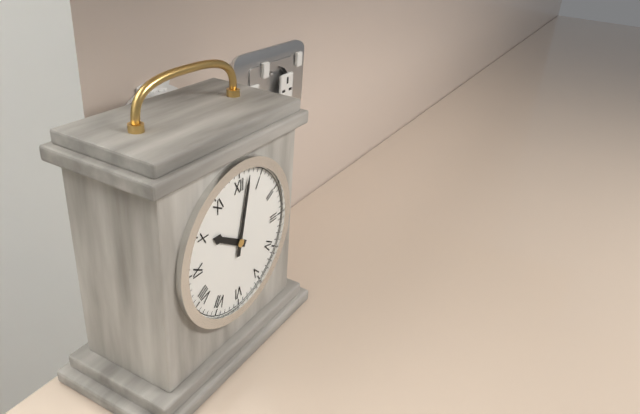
10:02
